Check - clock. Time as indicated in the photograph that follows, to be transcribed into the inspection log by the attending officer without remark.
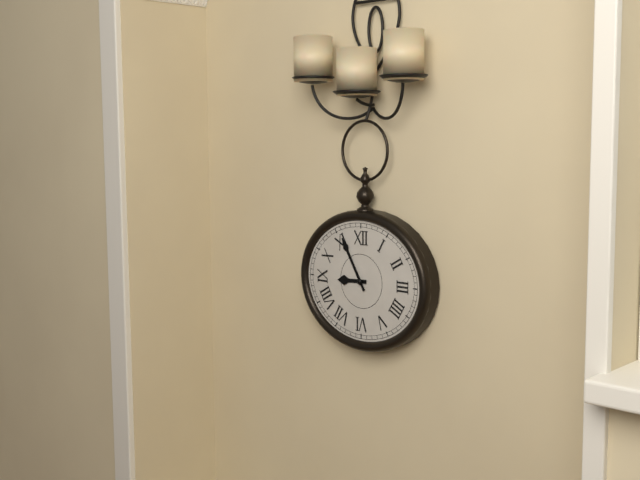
8:55
